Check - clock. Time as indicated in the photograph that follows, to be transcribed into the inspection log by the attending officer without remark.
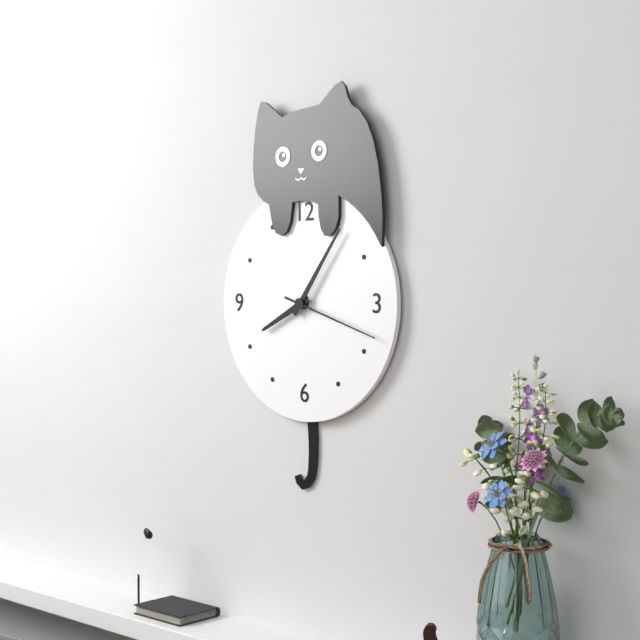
8:06:18
